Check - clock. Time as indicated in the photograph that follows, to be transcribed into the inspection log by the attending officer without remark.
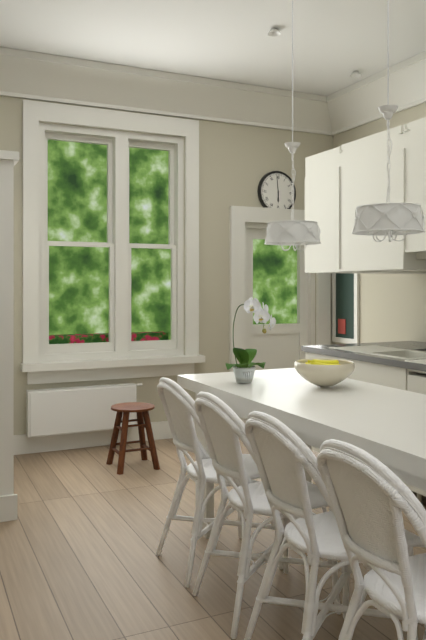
5:59
